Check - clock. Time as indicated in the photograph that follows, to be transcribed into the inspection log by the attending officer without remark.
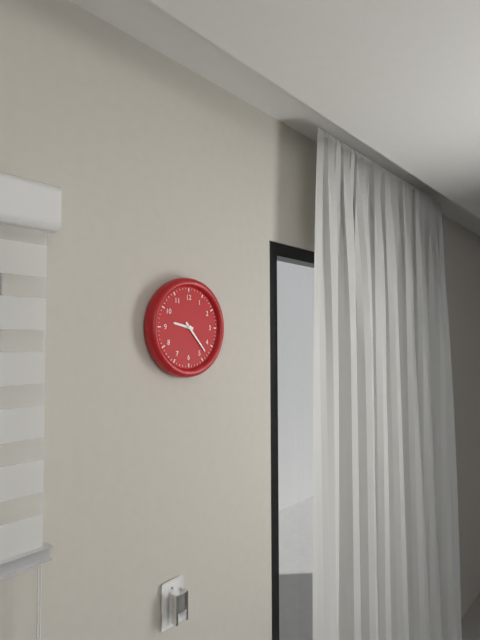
9:23
